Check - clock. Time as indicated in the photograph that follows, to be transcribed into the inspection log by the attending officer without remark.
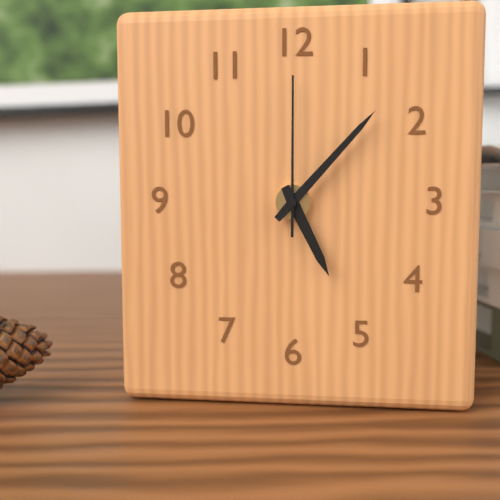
5:07:00
